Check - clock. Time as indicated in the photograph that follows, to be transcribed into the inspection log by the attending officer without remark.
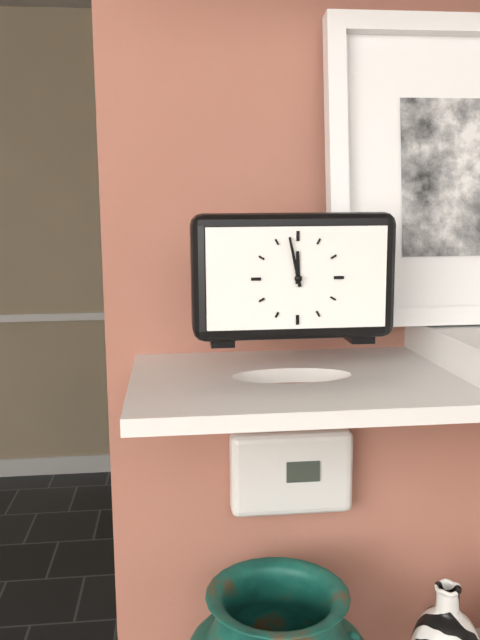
11:58
